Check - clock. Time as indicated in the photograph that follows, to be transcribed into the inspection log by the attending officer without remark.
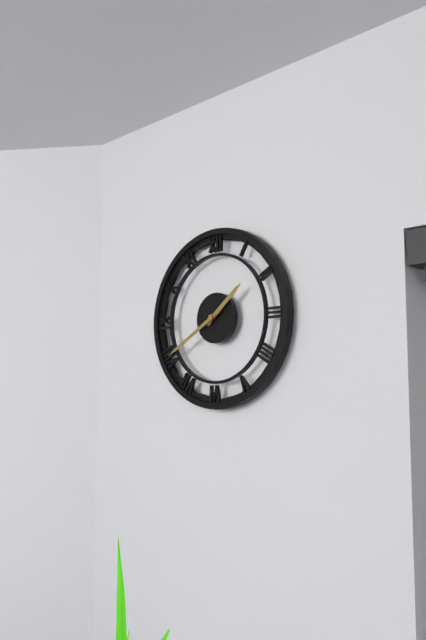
1:40
